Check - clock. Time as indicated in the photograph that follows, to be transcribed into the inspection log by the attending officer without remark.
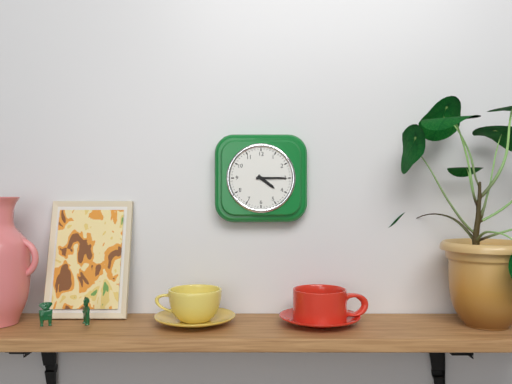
4:15
